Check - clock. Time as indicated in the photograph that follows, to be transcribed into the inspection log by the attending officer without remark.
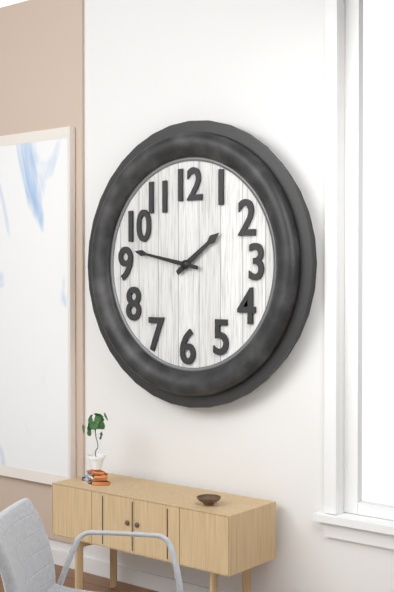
1:47
